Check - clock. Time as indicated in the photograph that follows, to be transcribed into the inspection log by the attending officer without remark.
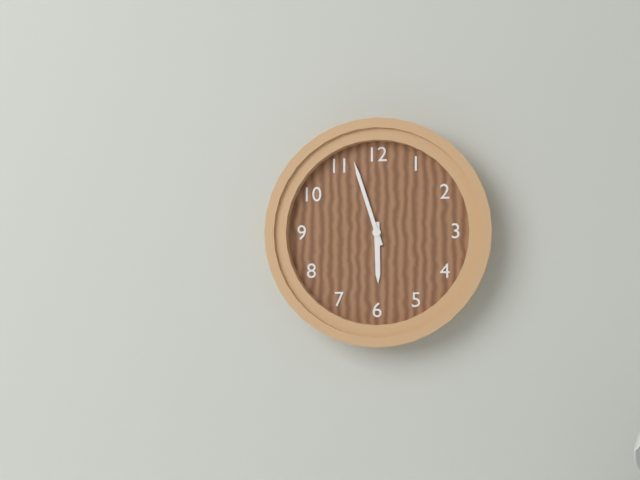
5:57
